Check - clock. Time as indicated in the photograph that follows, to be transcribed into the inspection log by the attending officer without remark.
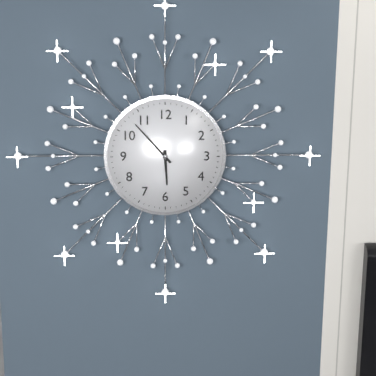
5:53
